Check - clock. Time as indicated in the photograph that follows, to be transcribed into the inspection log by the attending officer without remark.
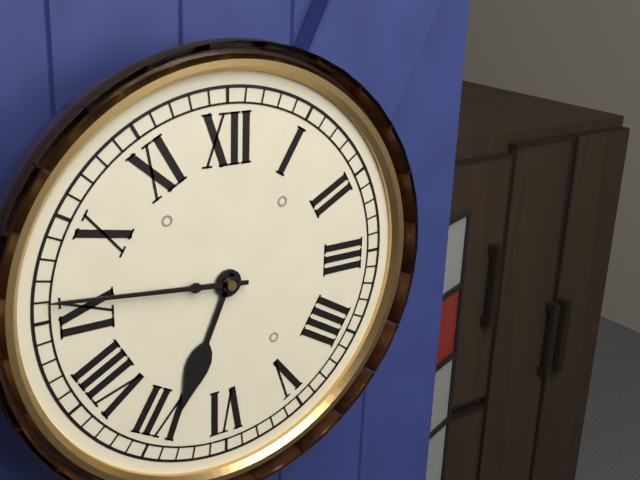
6:46
